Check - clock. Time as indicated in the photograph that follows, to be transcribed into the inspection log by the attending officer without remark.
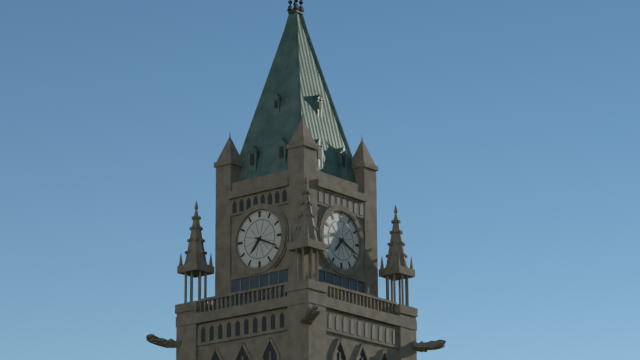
7:19
